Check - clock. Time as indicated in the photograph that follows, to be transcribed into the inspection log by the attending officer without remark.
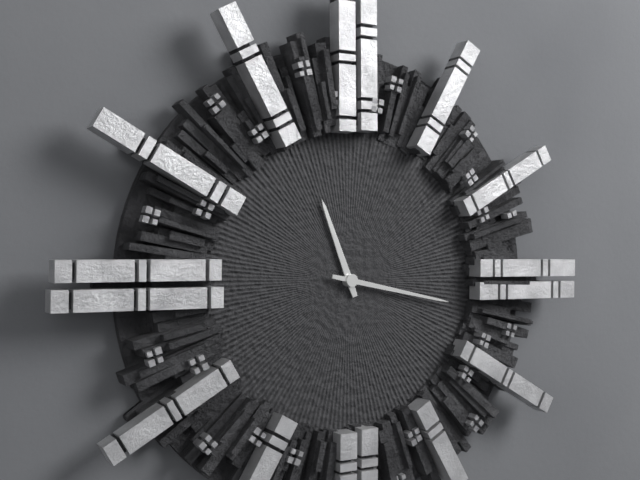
11:17
